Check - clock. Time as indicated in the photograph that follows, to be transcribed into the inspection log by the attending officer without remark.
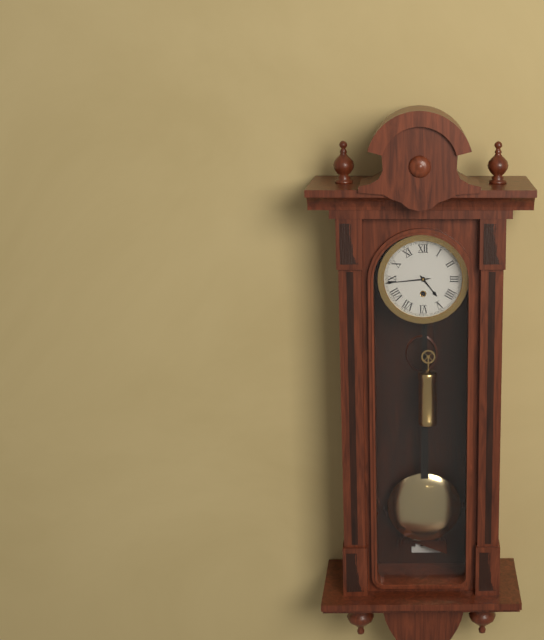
4:44
